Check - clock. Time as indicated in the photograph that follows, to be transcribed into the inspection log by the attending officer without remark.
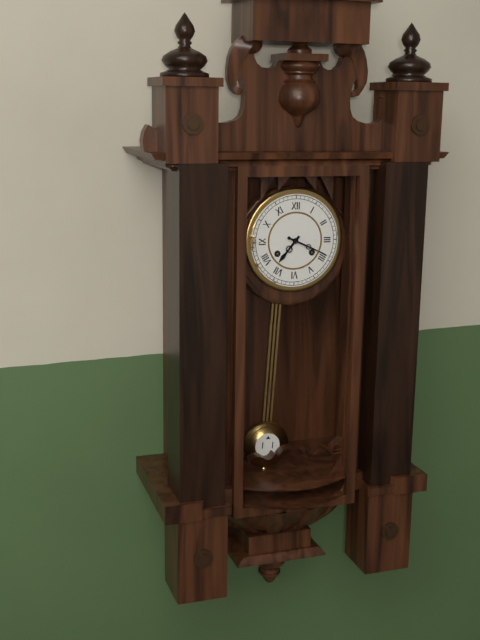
7:19
